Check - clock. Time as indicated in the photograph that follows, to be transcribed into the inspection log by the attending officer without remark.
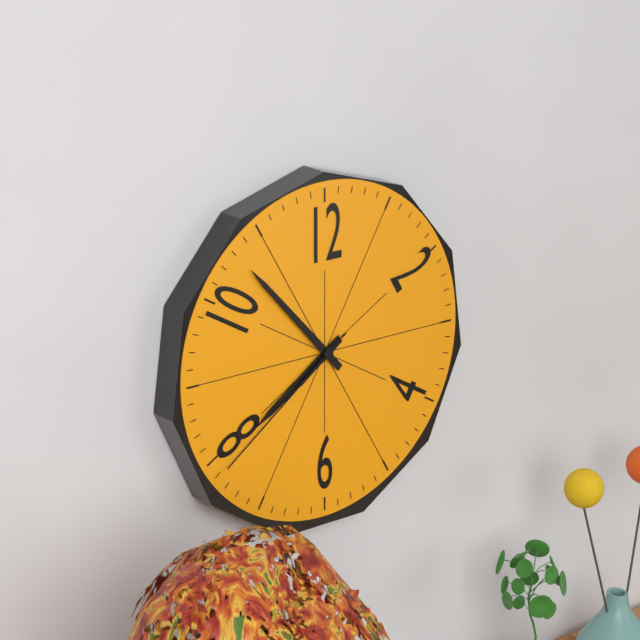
7:53:39
